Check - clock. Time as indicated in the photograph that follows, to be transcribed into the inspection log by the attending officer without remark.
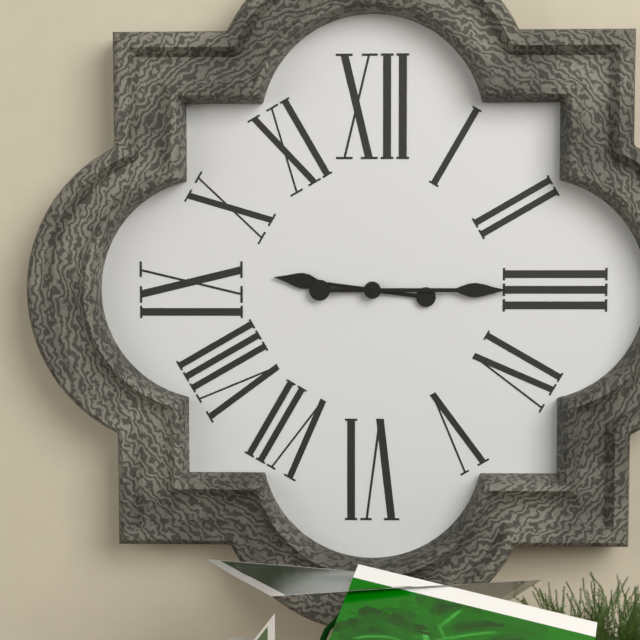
9:15
